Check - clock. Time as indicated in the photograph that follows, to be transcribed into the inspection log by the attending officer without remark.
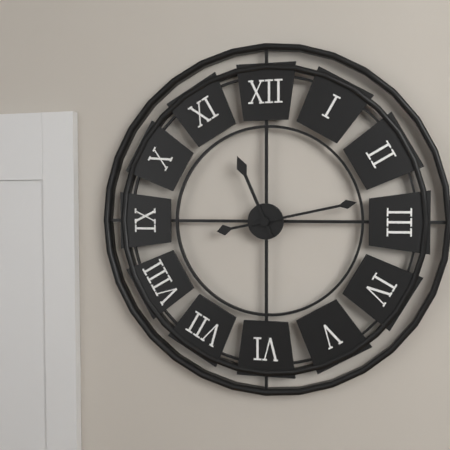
11:13
